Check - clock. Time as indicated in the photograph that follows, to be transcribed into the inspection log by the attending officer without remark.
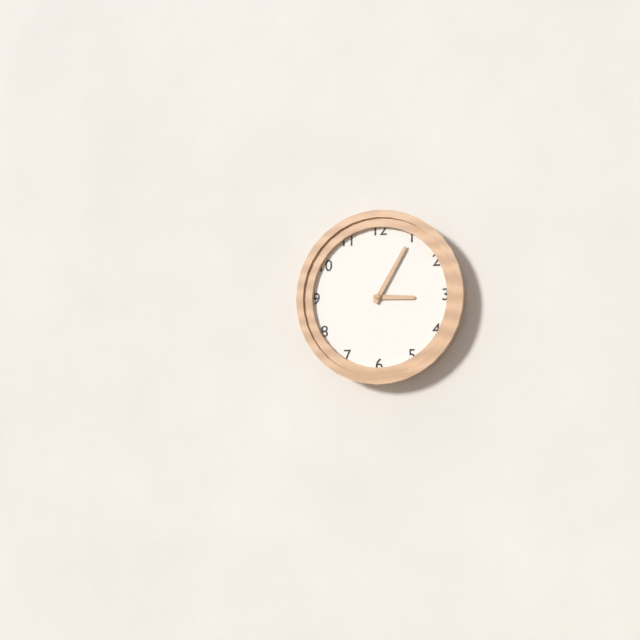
3:05
